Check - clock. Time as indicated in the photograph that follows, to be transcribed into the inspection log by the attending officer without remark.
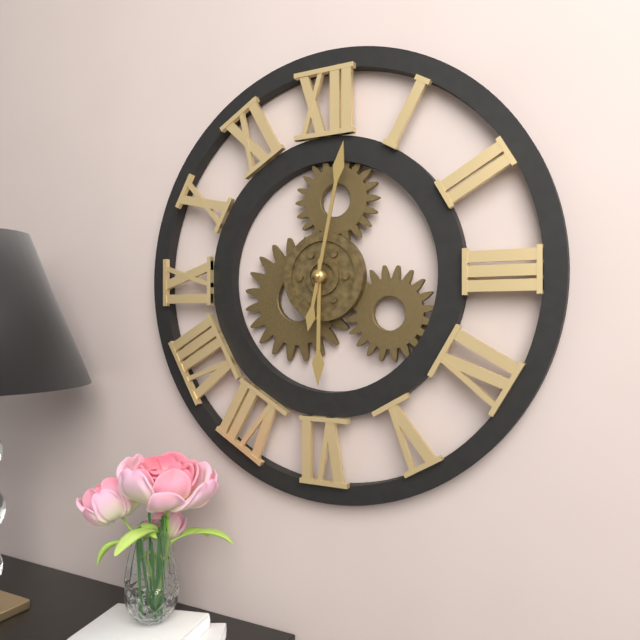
6:02
